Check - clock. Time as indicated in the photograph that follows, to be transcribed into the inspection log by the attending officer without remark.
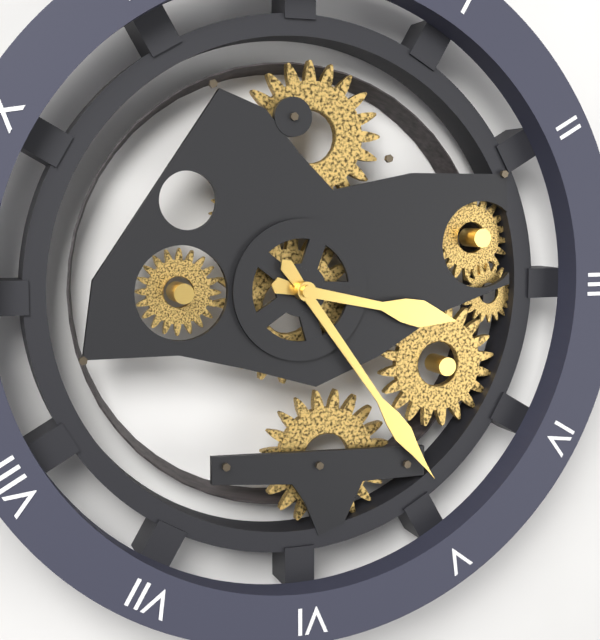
3:24
